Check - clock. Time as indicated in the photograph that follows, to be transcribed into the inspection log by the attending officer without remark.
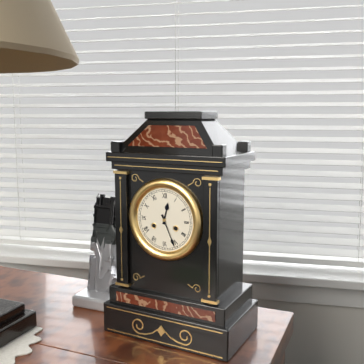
12:26
